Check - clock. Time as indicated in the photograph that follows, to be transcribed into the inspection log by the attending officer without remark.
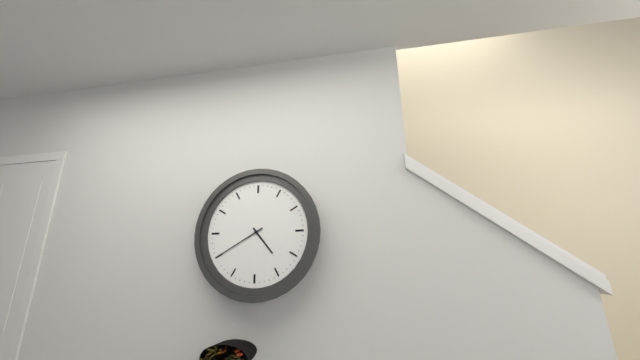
4:40
